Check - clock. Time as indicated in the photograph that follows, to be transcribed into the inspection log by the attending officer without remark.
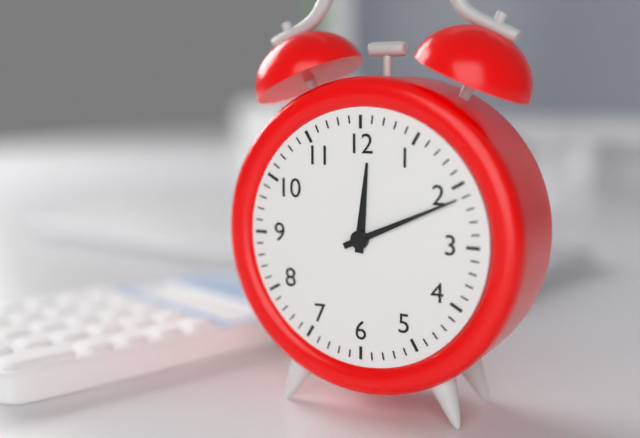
12:11
